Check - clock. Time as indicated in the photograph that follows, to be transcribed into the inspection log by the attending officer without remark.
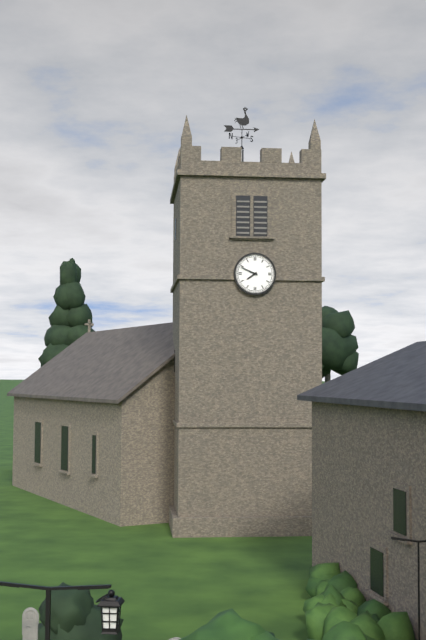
7:49
